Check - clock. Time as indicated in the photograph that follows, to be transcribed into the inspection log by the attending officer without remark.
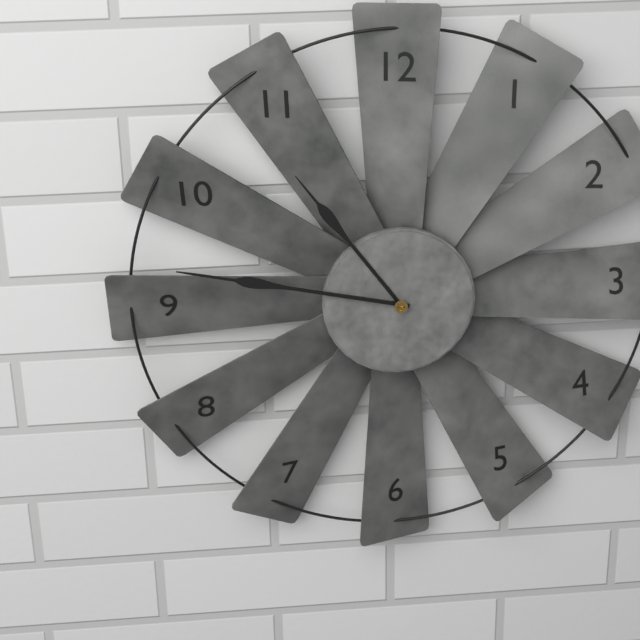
10:47
